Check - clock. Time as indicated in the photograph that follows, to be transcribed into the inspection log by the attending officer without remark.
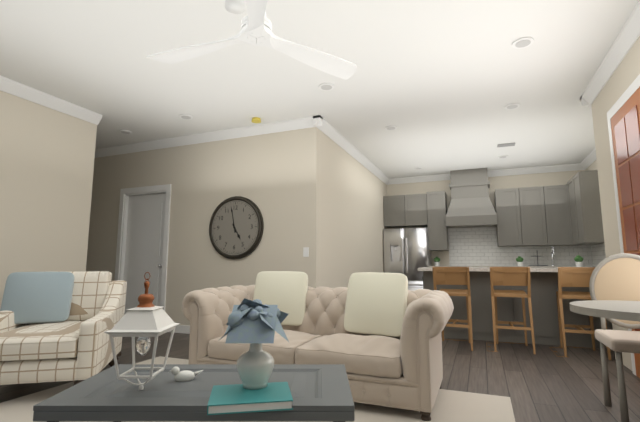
4:58
